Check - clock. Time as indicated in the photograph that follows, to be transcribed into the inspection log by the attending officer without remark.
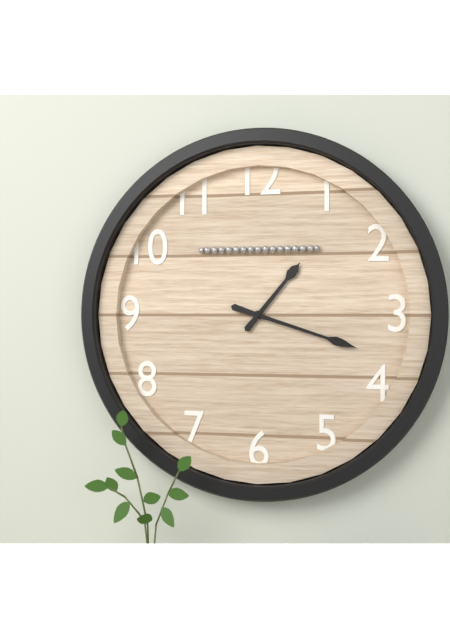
1:18
